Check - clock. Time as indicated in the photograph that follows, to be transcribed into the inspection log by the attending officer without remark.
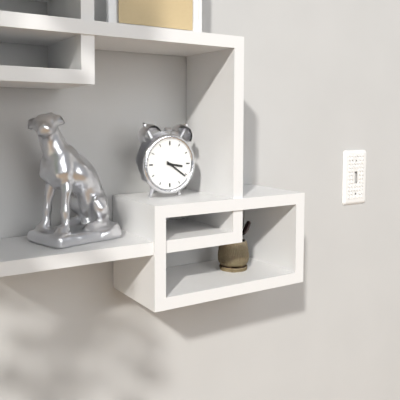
3:21
